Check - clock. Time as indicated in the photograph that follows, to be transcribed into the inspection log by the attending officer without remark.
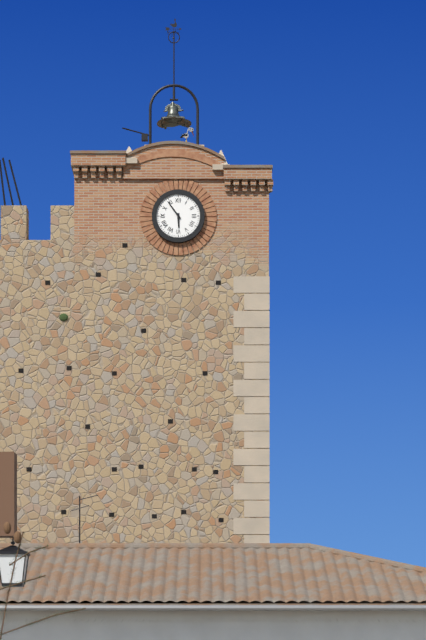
5:54
